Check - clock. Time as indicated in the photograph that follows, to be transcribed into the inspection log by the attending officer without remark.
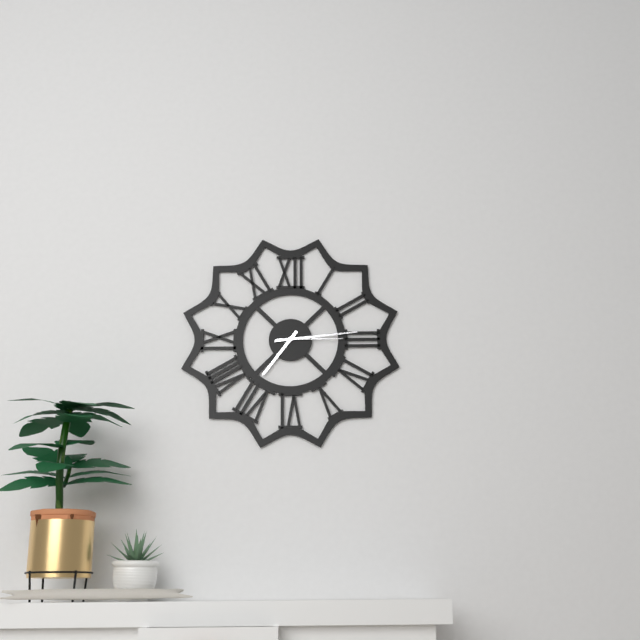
7:14:15
